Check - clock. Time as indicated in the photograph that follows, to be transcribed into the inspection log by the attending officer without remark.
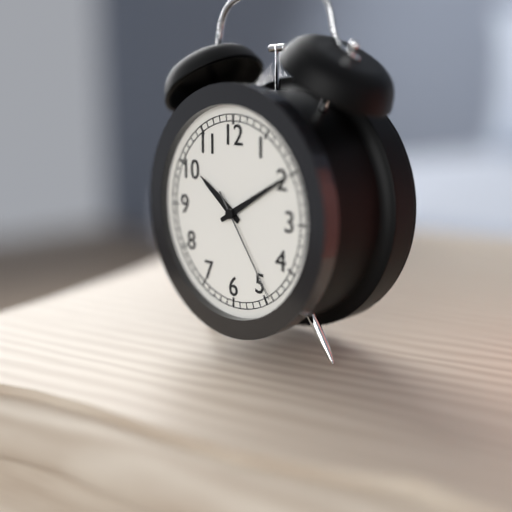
10:10:24
